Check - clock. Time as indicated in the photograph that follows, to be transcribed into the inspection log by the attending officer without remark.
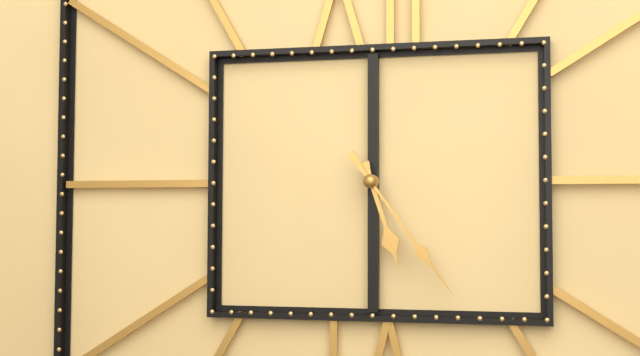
5:24
